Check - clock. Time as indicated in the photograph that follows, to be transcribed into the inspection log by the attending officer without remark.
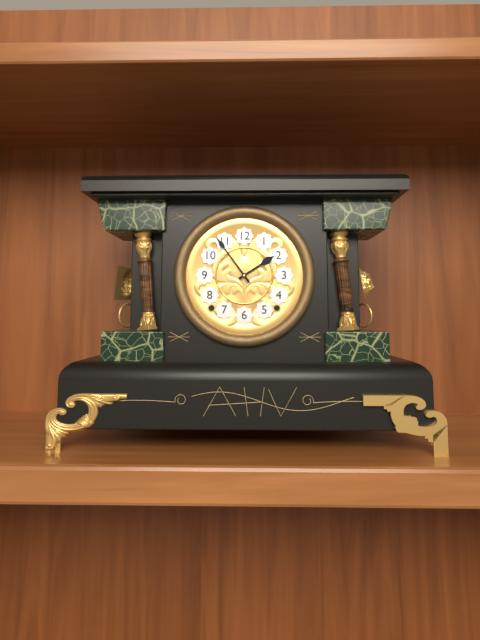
1:54
